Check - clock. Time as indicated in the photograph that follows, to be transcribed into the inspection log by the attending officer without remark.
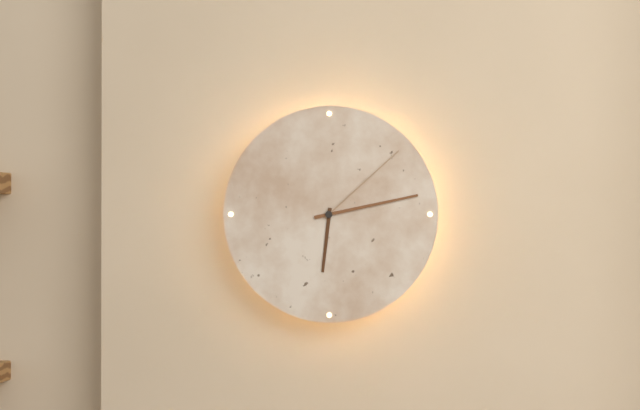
6:13:08
